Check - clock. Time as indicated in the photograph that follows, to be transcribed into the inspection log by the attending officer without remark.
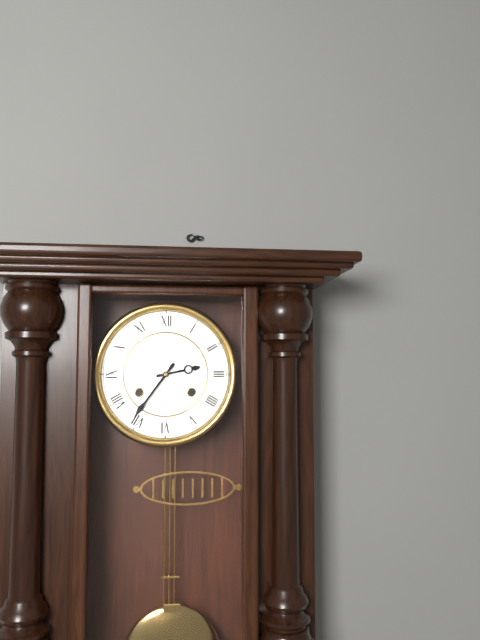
2:36
